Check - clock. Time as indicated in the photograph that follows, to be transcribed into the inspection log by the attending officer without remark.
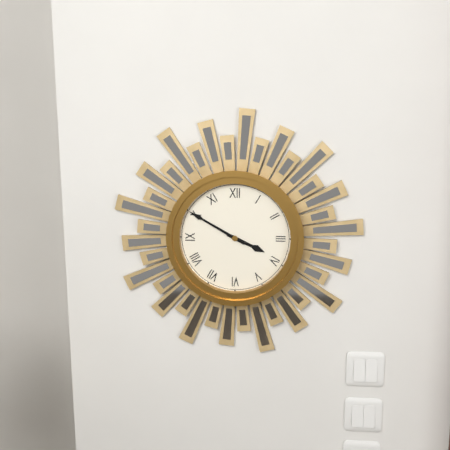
3:50
